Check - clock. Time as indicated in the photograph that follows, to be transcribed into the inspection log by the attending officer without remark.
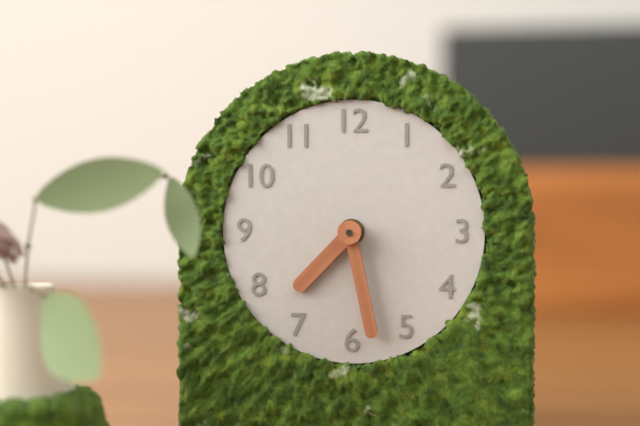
7:28
